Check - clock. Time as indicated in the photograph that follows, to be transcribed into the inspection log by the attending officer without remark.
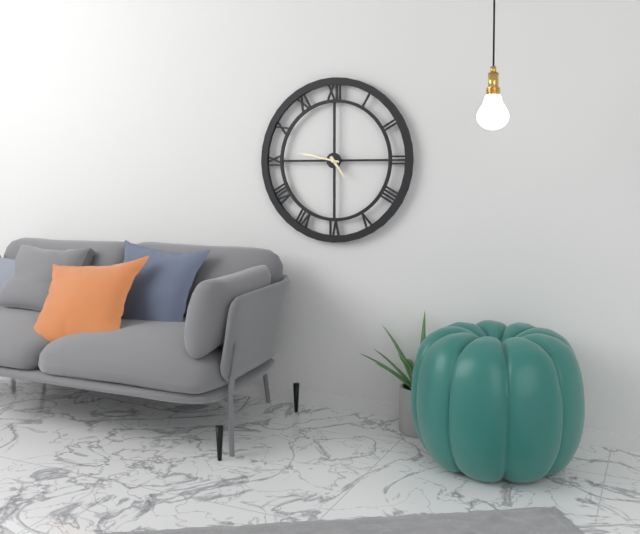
4:47
